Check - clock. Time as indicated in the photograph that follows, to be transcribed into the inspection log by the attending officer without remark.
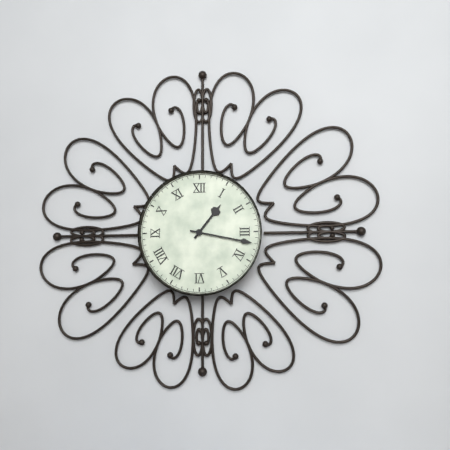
1:17
